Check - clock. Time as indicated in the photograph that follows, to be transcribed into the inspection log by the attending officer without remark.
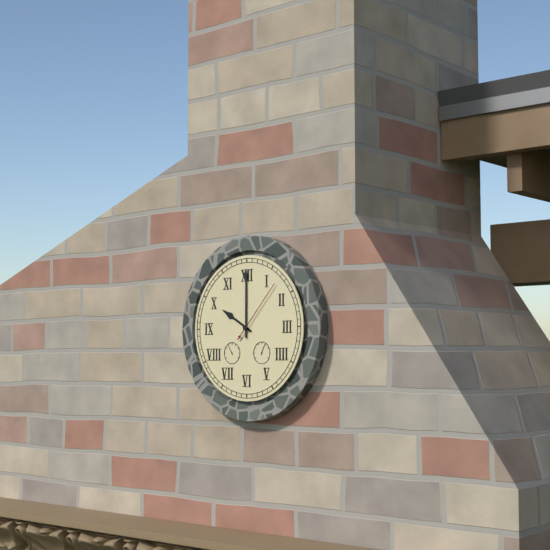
10:00:07
